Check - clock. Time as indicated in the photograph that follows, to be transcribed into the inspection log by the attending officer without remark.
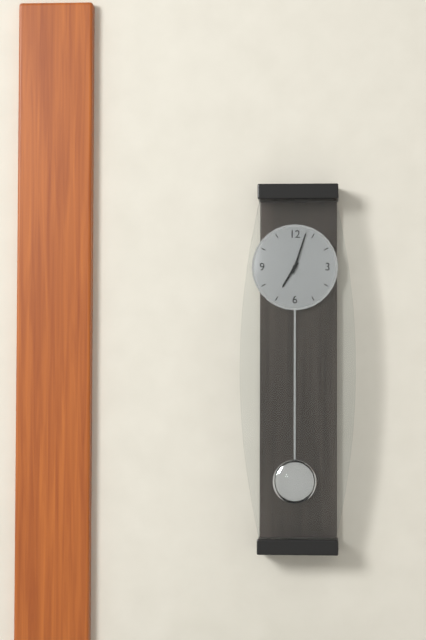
7:03
